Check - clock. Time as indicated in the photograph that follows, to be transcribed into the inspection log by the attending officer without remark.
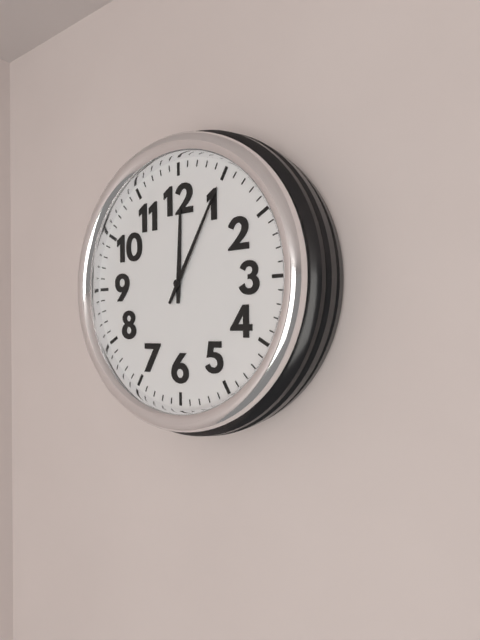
12:05
